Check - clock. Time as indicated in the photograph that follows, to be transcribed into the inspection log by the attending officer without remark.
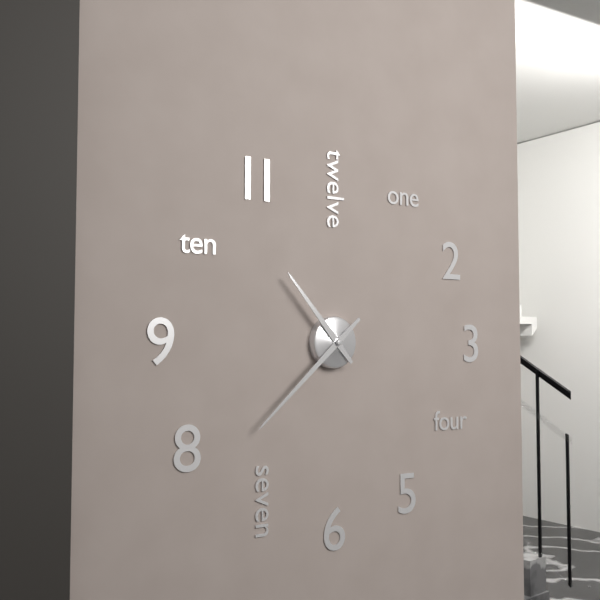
10:38
